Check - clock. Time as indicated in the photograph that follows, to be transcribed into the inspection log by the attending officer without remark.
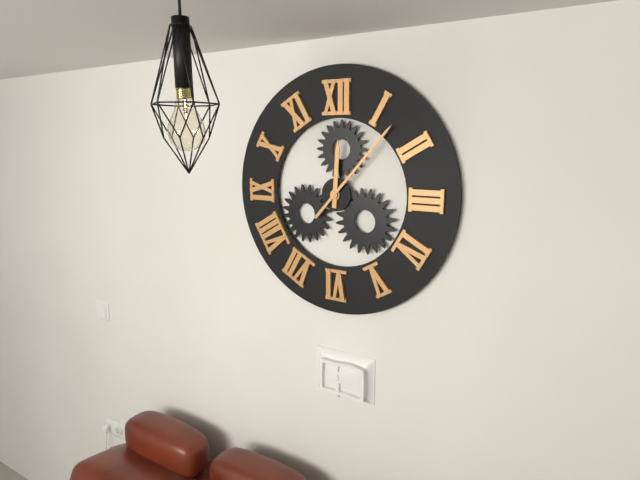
12:07
